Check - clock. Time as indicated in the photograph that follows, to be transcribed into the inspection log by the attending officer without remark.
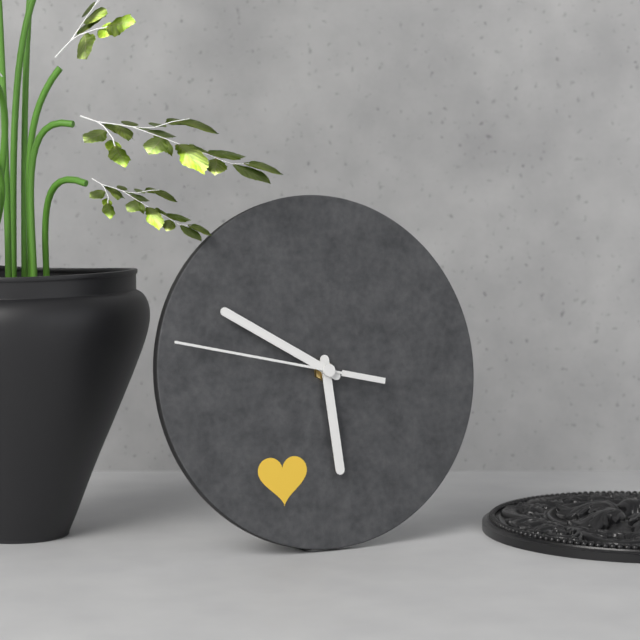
5:50:47
